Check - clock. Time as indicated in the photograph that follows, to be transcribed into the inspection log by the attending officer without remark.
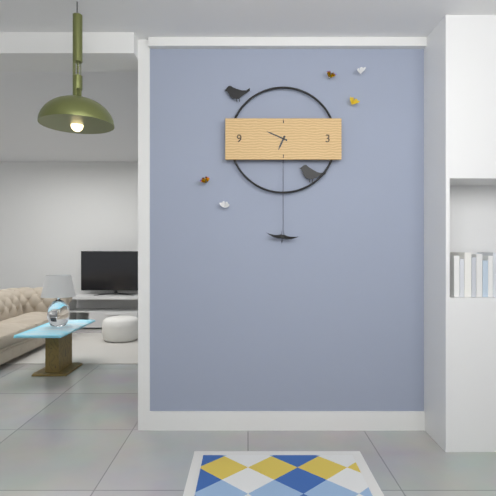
6:49
